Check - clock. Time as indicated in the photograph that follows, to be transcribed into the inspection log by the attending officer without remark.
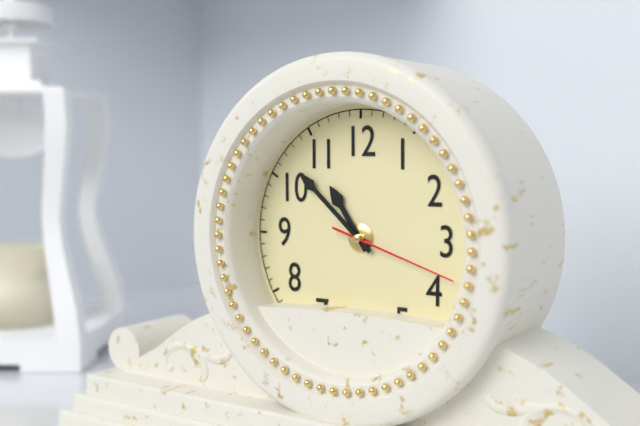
10:52:18
